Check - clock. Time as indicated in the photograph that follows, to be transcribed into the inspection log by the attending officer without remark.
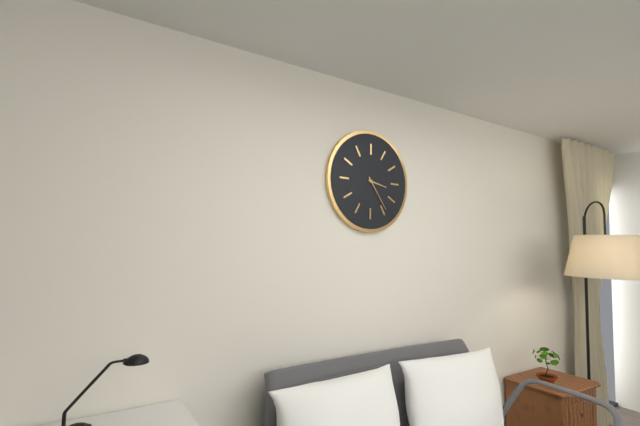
3:24
